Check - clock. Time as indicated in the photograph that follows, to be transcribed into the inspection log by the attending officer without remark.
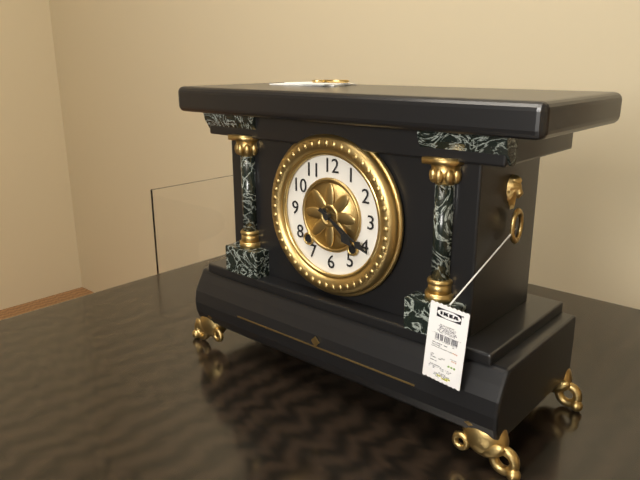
4:20
